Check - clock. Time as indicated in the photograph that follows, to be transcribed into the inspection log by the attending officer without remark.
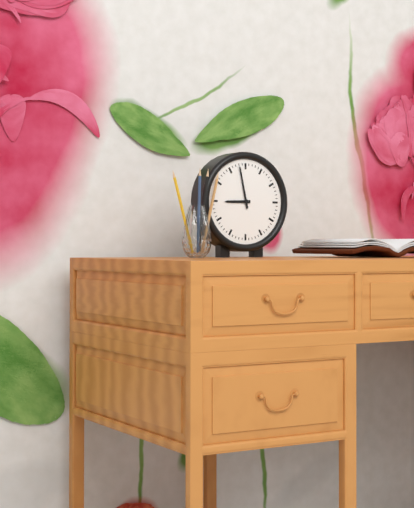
8:58
